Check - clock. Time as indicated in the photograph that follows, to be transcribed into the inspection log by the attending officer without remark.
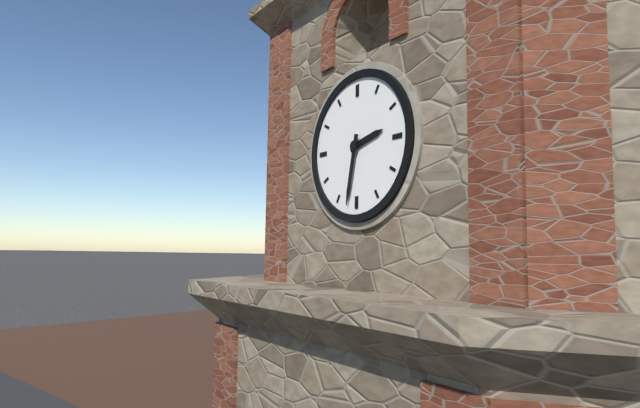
2:32
